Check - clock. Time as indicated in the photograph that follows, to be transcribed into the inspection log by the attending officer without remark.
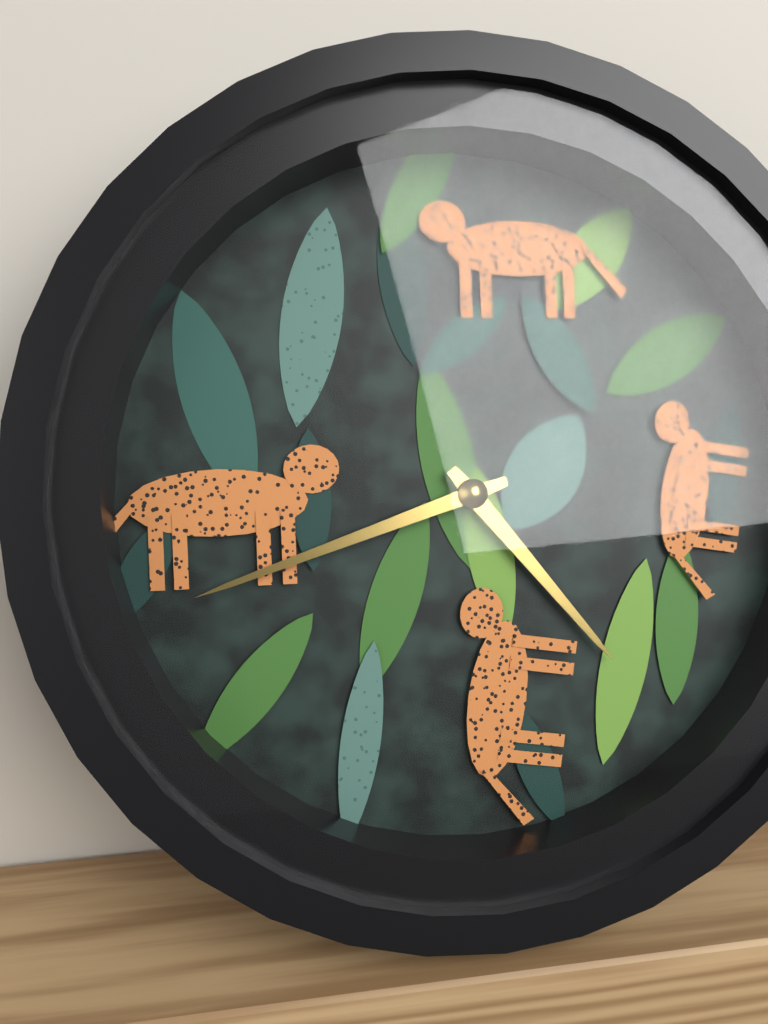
4:42
